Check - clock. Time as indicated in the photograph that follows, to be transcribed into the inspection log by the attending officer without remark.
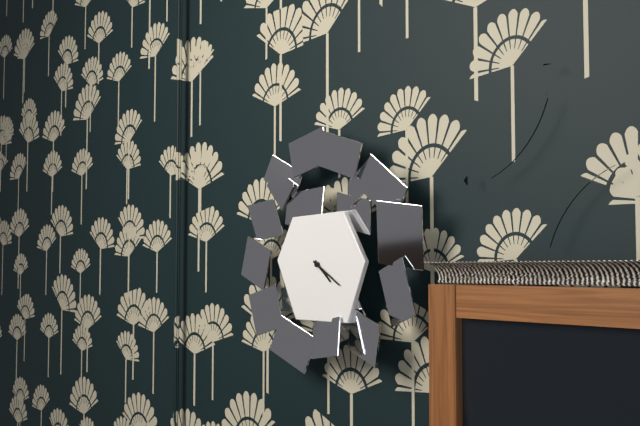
4:20
